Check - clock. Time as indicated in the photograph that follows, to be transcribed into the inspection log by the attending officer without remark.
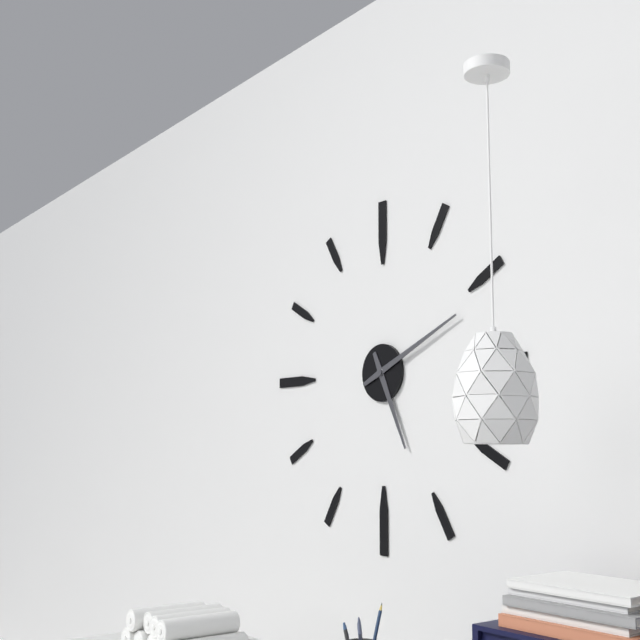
5:11
